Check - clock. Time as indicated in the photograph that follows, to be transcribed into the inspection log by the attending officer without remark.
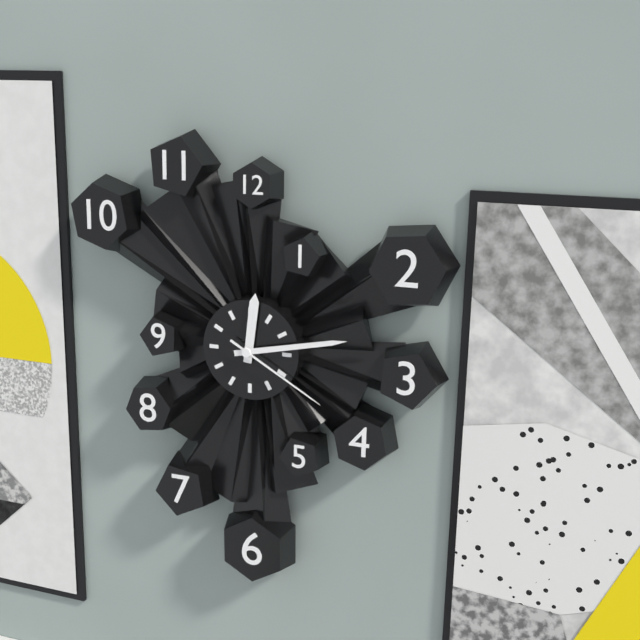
12:13:20
